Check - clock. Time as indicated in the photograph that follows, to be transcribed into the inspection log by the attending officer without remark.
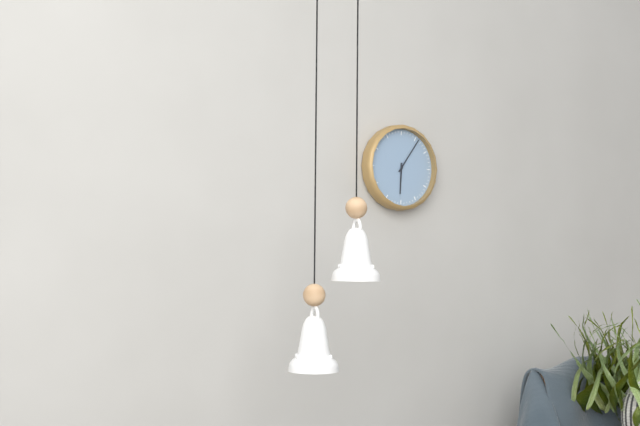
6:06
